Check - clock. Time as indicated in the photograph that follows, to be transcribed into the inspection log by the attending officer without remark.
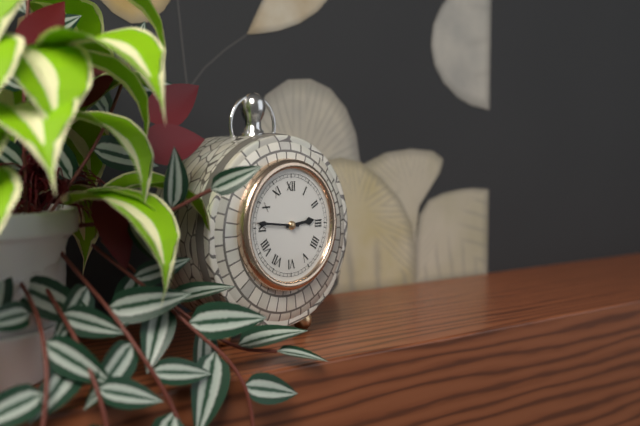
2:46
